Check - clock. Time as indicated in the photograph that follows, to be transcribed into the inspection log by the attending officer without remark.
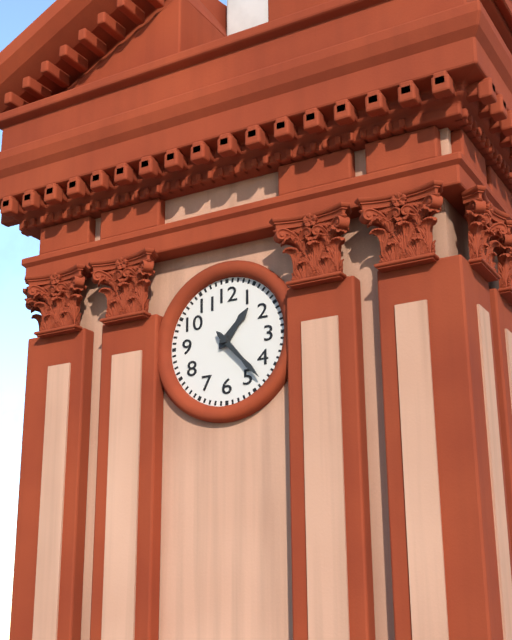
1:23
